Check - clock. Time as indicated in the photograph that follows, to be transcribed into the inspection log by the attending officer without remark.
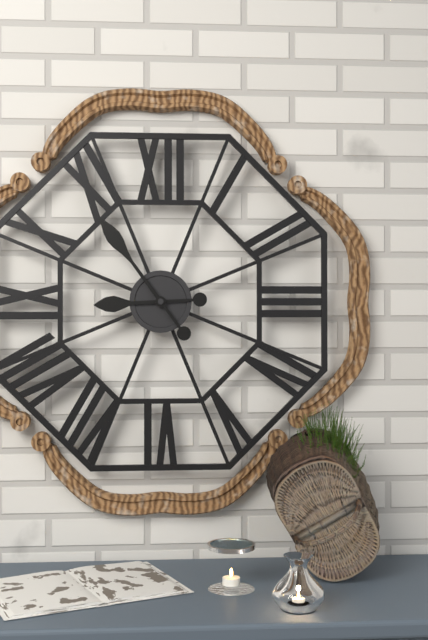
8:54
